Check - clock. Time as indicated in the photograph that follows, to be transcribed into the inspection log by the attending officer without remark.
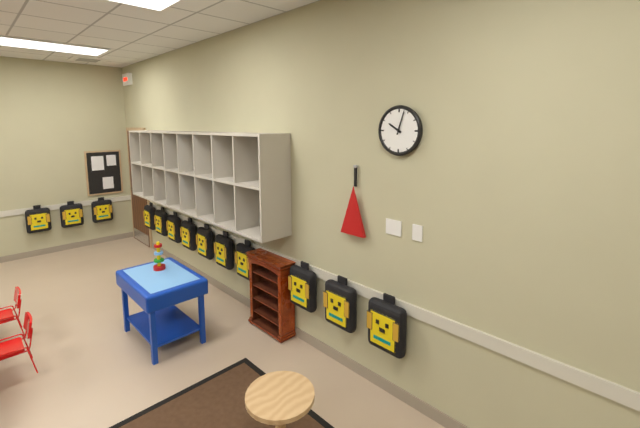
10:03
